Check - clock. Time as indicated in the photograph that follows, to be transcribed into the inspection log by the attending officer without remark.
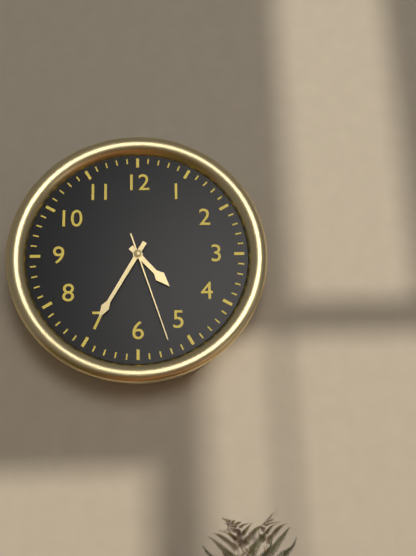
4:35:27
